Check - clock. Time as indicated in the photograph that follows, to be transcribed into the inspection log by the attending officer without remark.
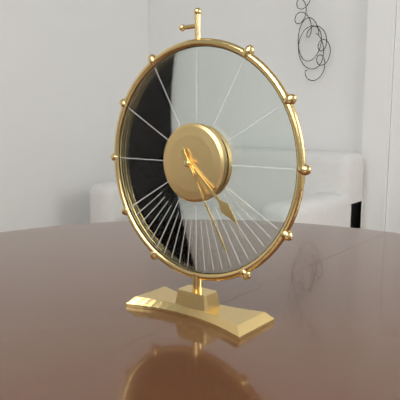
4:25
